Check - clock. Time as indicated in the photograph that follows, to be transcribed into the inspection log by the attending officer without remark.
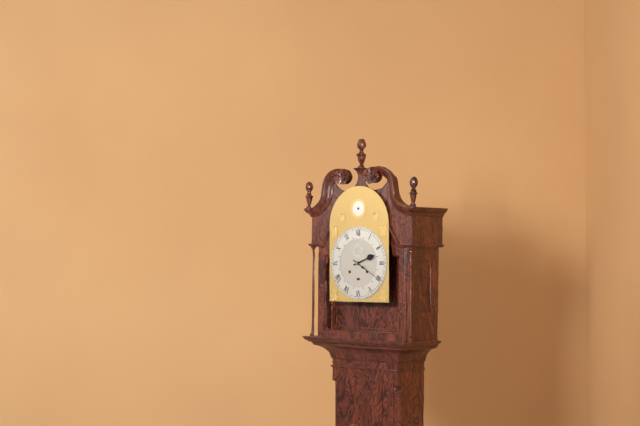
2:20
